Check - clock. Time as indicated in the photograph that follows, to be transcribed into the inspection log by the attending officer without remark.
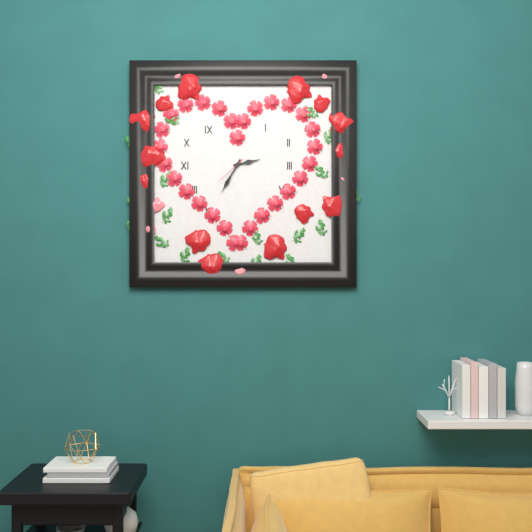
2:35
